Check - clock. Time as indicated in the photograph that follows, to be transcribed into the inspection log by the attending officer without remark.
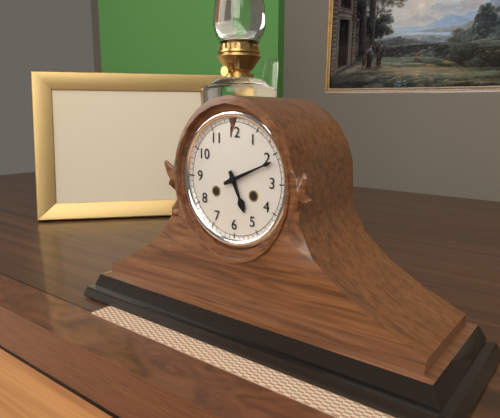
5:11
